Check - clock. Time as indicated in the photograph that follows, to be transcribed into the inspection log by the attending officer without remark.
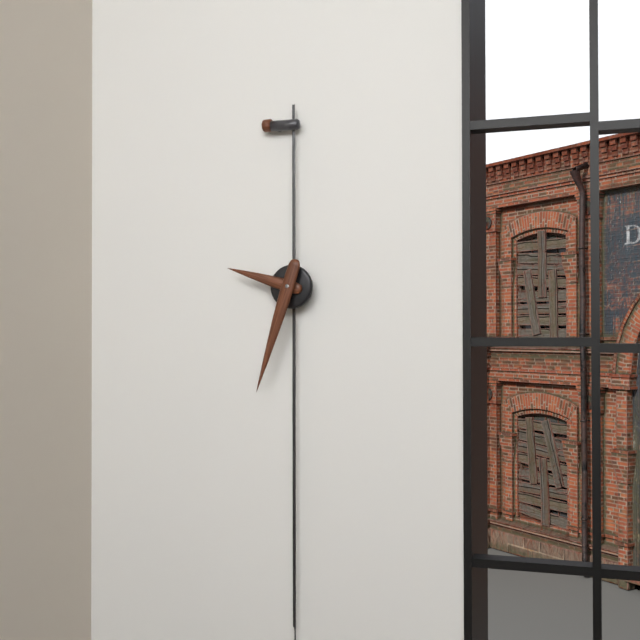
9:33
